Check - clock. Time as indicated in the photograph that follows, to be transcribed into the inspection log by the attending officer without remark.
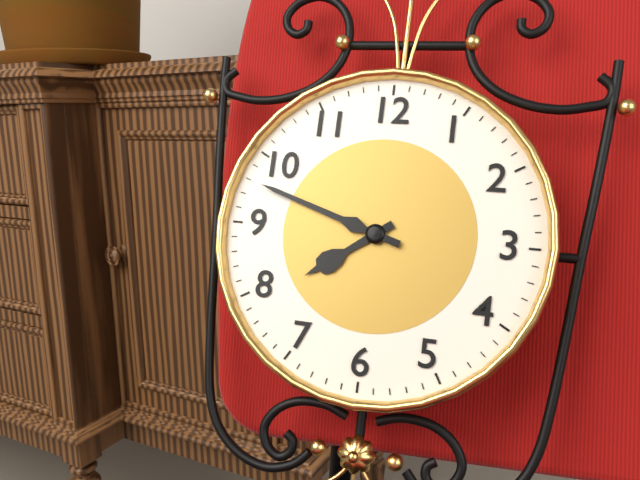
7:48
